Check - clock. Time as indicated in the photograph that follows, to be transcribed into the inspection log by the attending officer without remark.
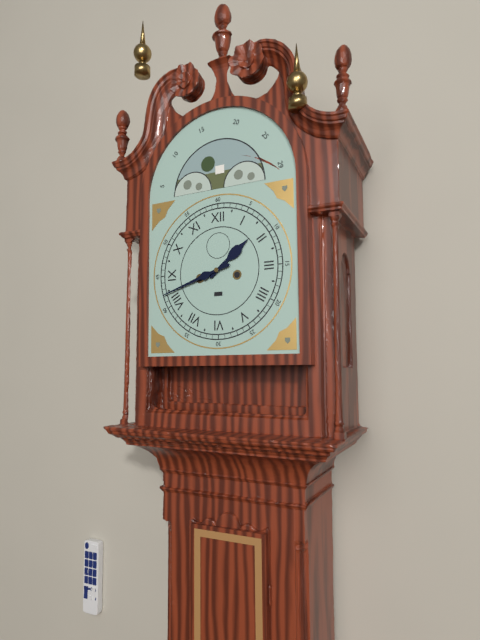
1:42
